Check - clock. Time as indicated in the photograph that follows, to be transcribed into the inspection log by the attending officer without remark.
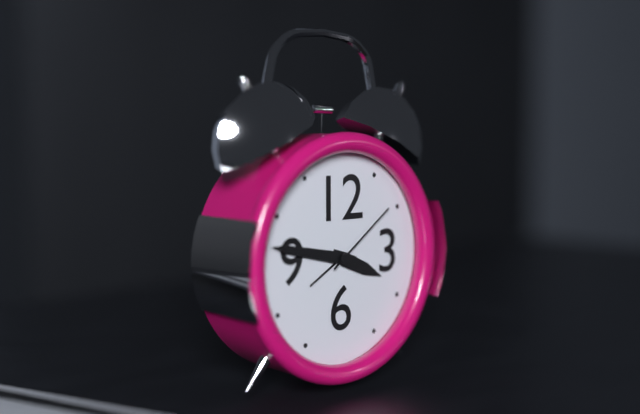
3:47:09
